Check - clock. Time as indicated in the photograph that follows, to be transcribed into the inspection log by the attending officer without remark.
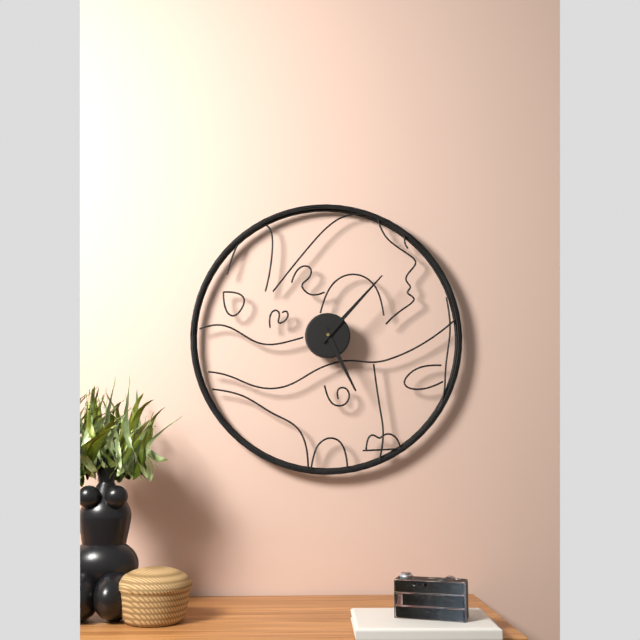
5:07
